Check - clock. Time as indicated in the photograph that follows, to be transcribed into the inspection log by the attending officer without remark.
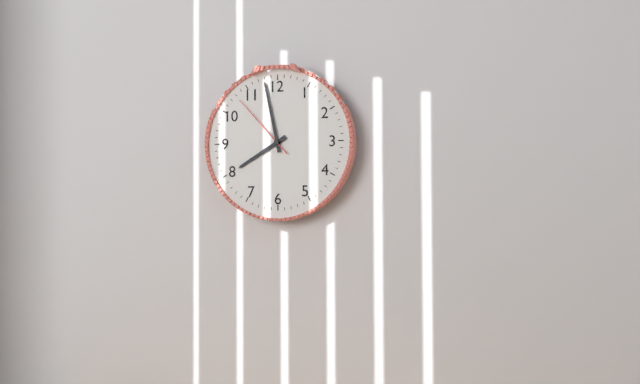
7:58:53
